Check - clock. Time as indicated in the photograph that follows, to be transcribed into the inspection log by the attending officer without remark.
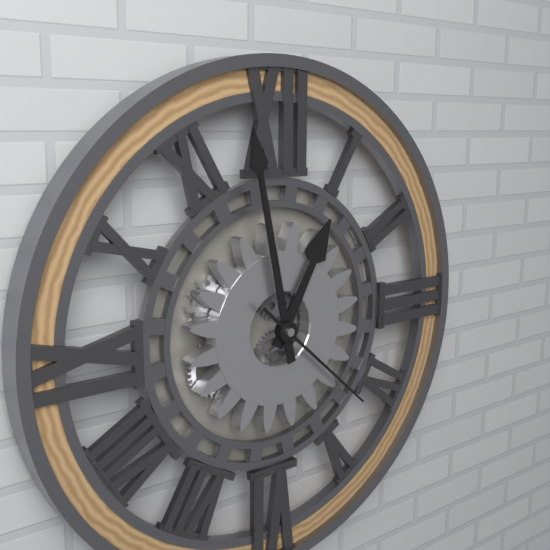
12:58:22
